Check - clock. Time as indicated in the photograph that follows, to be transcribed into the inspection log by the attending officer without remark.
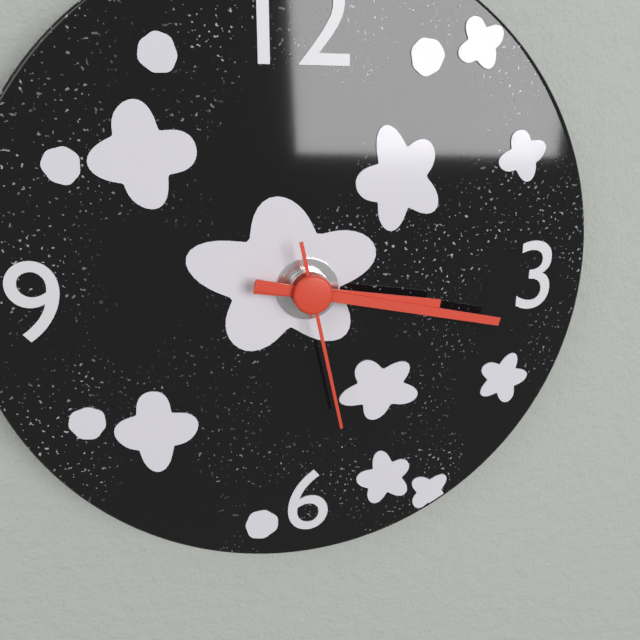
3:17:28
